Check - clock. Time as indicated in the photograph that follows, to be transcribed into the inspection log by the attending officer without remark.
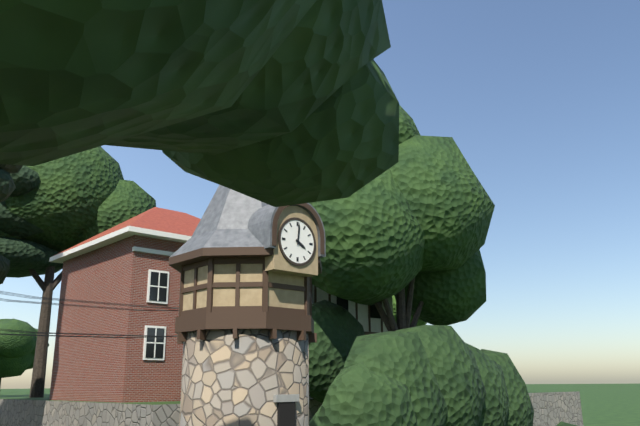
4:01
